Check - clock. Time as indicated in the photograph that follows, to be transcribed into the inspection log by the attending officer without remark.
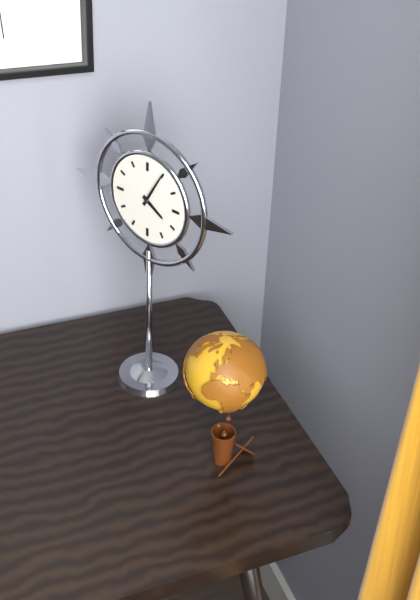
4:05
